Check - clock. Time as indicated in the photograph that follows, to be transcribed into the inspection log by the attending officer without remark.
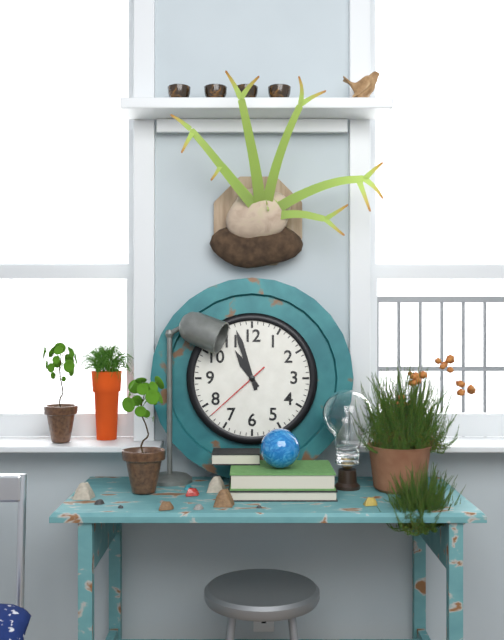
10:57:38
